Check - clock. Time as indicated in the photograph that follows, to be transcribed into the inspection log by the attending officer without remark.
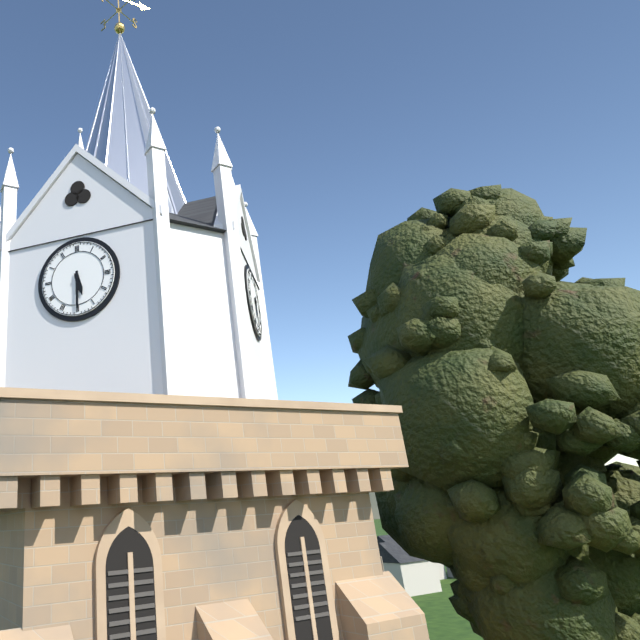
5:30
